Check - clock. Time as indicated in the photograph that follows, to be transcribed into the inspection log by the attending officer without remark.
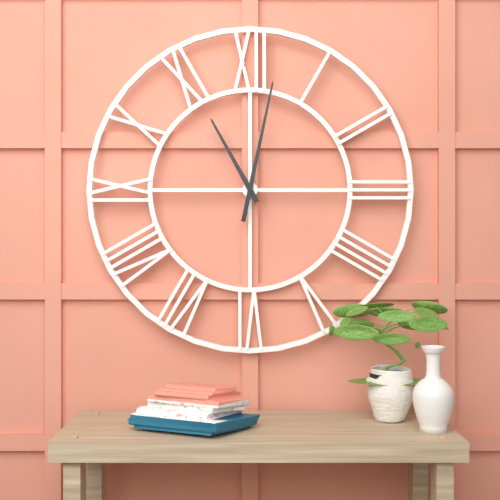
11:02
